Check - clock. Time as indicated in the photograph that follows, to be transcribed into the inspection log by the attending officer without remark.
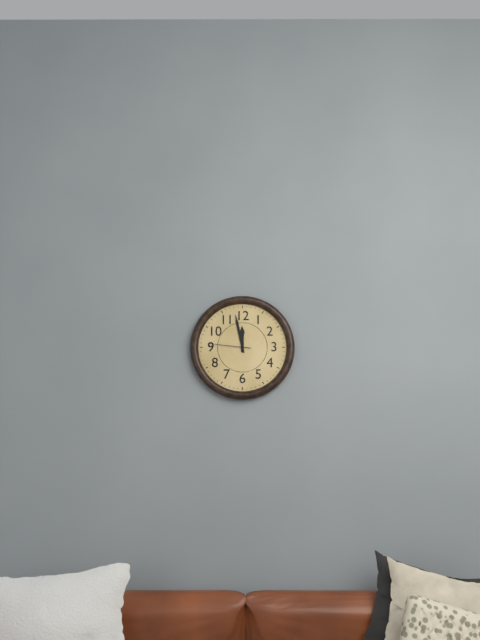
11:58
